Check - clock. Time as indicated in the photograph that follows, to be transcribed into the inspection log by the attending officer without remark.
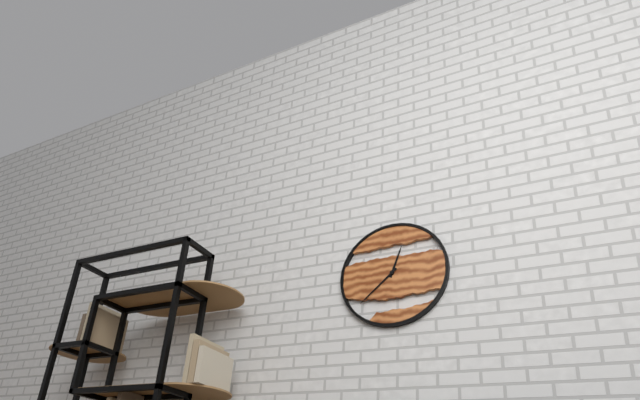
12:38
